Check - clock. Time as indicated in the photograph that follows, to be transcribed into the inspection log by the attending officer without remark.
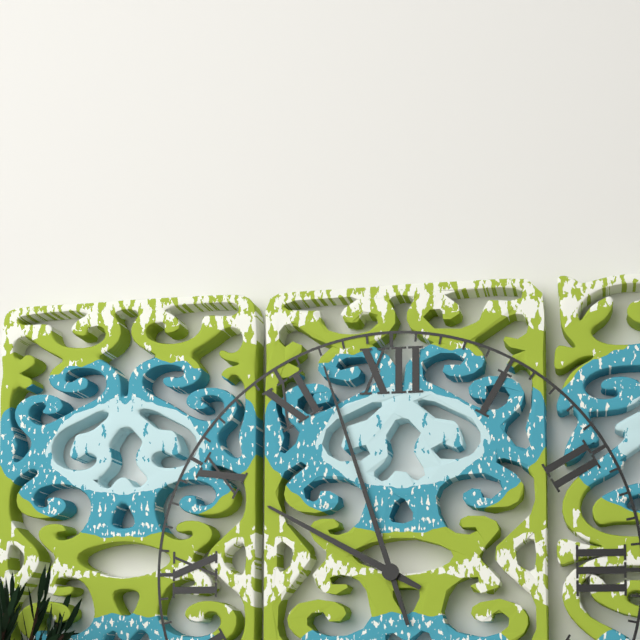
9:57
